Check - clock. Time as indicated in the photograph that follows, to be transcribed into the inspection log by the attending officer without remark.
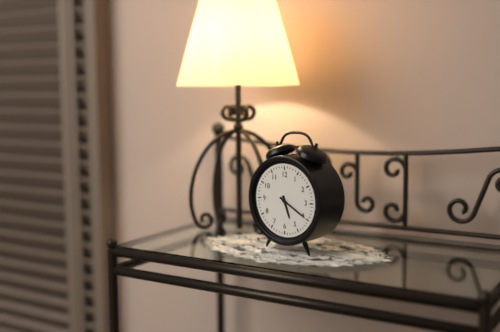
5:20
